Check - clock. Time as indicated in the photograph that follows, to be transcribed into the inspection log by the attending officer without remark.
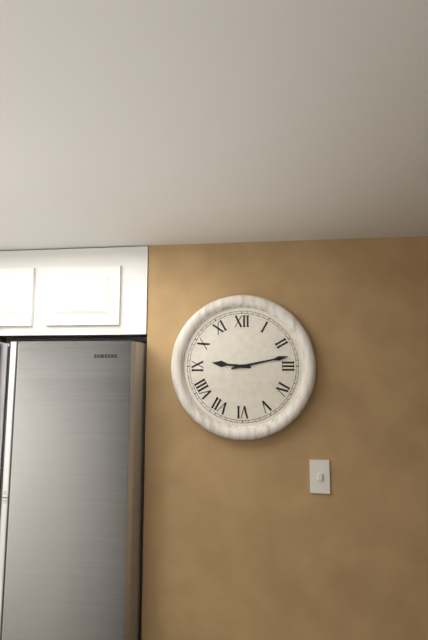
9:13
